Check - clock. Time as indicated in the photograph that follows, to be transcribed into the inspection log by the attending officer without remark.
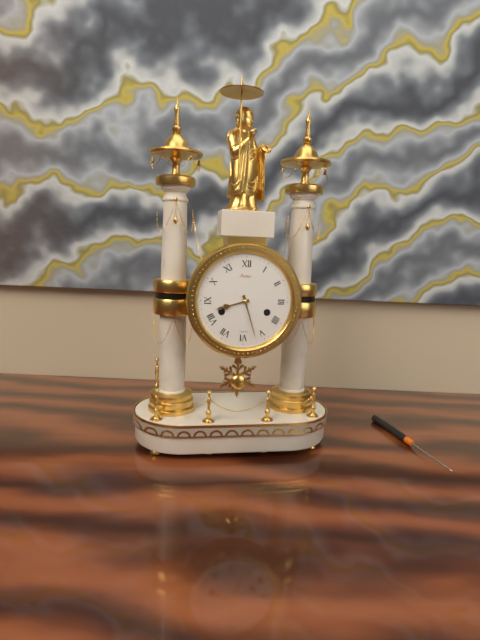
8:27
